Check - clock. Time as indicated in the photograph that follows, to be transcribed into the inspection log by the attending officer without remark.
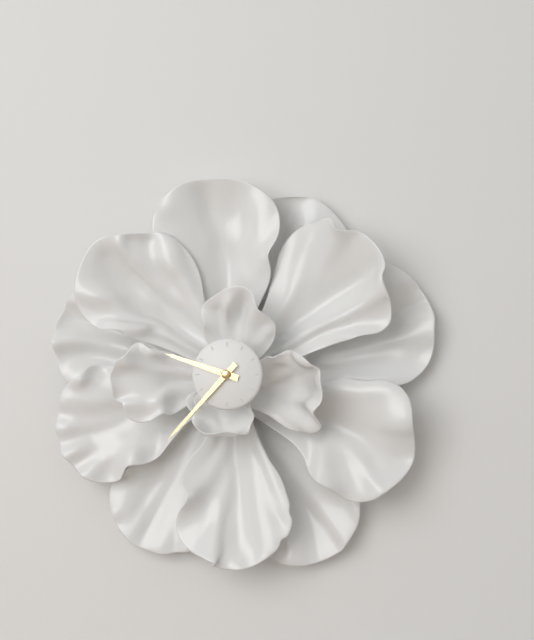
9:37
